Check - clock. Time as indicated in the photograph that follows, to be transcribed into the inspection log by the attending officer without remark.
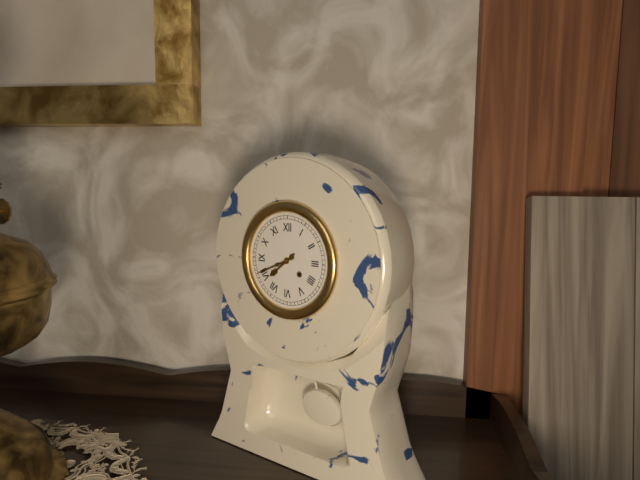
7:41
